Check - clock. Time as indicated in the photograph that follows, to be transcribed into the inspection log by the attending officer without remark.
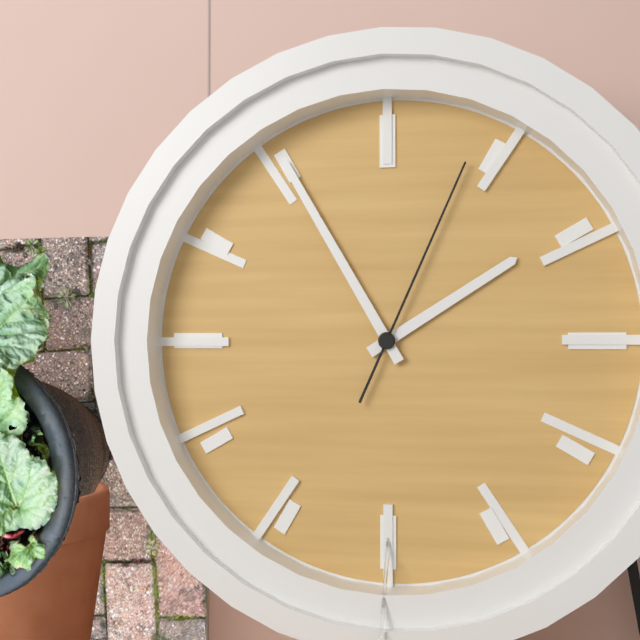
1:55:04
